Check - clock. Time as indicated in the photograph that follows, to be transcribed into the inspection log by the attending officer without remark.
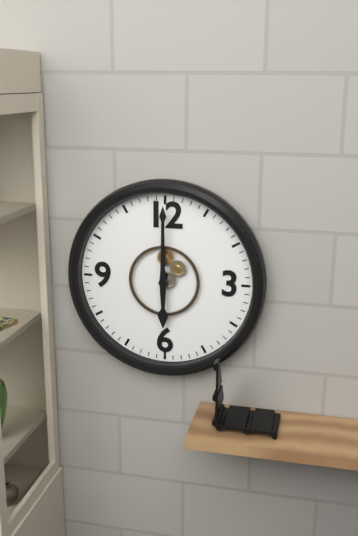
6:00
